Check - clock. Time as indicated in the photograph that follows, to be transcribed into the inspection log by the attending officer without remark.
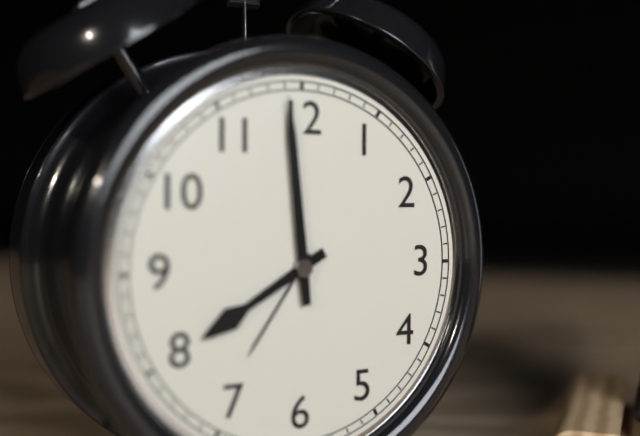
7:59
